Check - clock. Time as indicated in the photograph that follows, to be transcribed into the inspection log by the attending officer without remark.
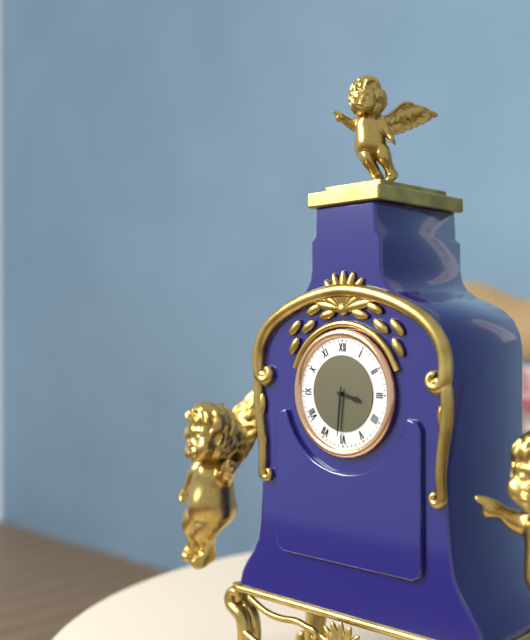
3:31
